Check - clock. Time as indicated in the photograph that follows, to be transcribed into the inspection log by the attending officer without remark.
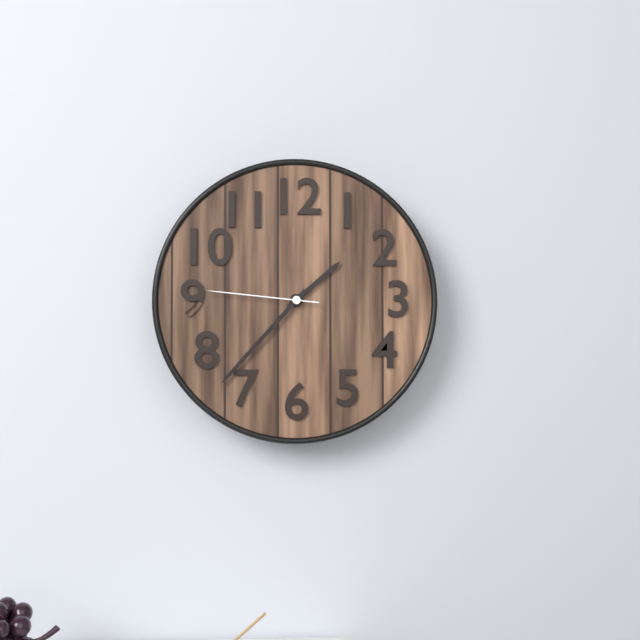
1:37:46
